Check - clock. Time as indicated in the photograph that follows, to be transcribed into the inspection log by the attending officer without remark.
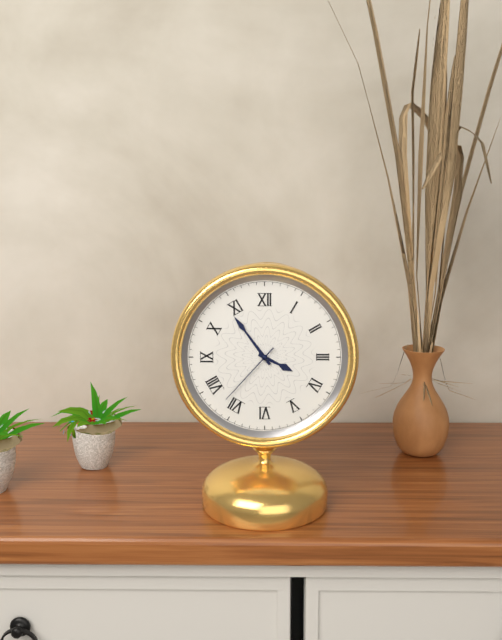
3:54:37
